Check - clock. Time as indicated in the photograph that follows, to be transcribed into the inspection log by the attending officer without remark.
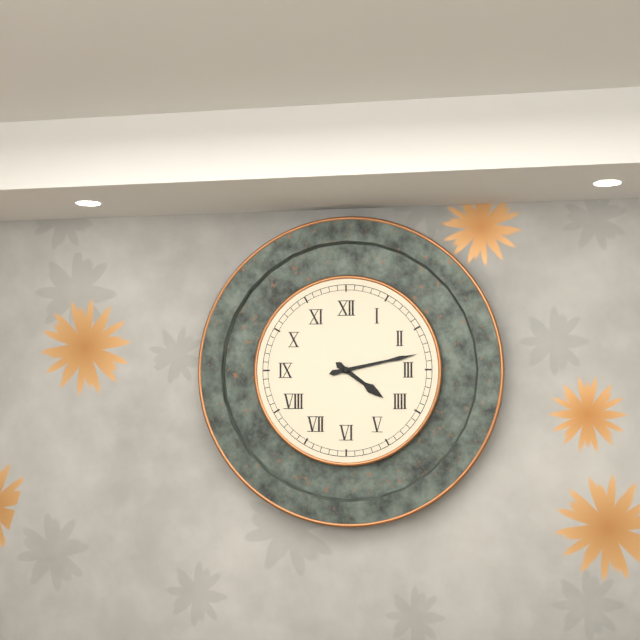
4:13
